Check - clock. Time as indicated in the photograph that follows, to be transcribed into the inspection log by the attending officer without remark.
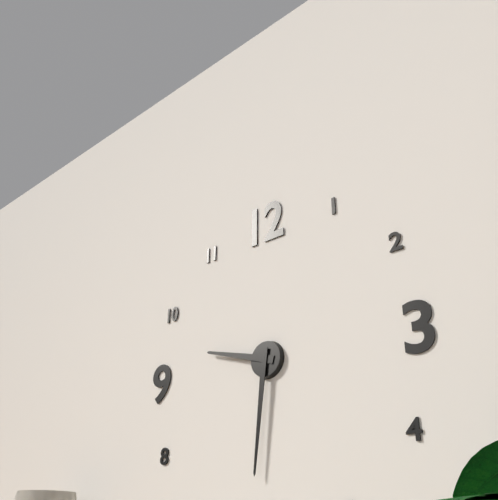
9:31
